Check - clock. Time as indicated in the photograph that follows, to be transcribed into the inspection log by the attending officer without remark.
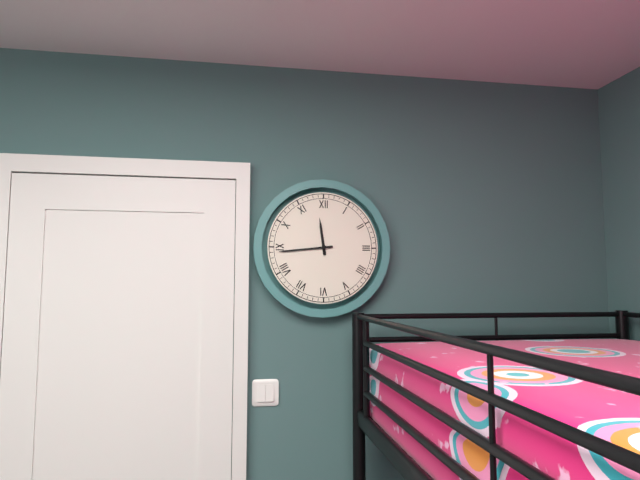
11:44
